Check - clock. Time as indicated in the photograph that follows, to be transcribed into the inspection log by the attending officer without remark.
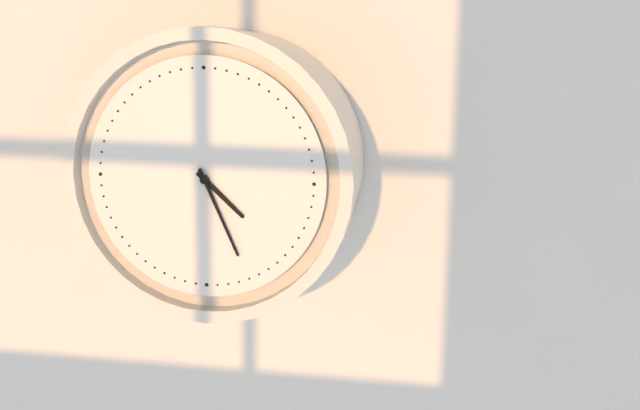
4:26
